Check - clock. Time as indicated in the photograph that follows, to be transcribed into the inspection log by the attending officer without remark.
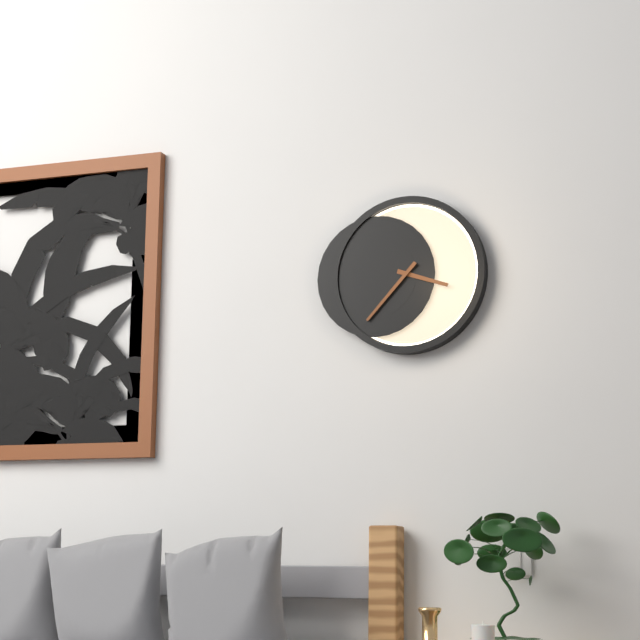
3:37
